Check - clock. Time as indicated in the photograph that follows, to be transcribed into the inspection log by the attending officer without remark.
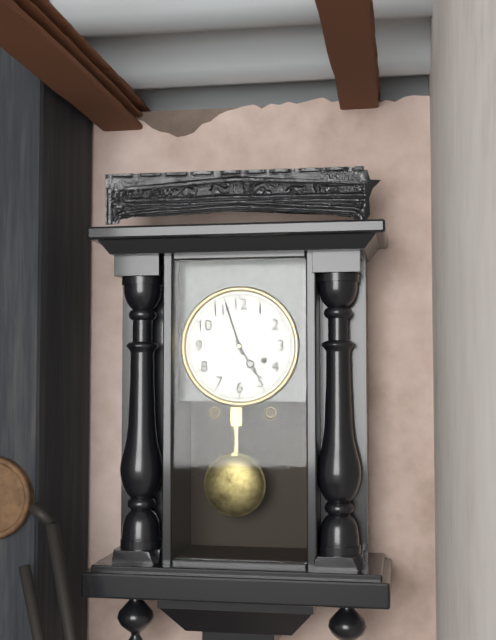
4:57
